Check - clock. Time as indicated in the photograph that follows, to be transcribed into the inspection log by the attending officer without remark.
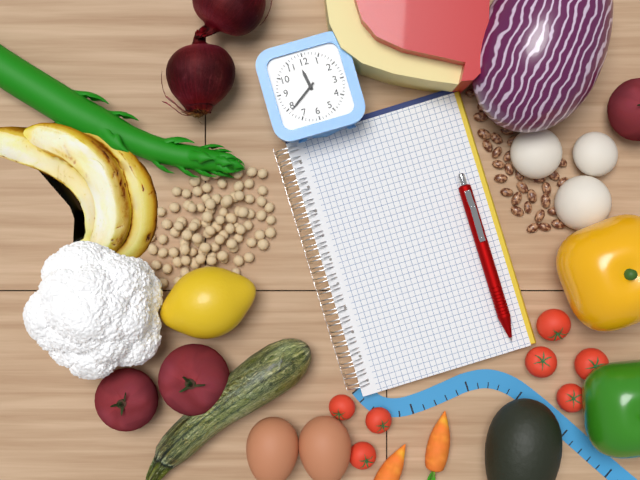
11:39
